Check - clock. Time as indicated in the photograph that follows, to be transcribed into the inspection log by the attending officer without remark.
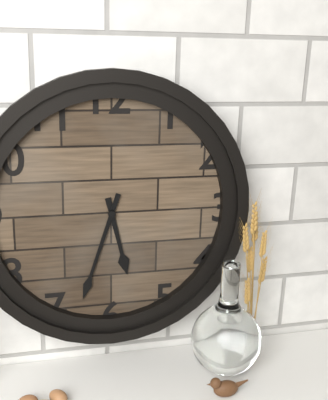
5:33
